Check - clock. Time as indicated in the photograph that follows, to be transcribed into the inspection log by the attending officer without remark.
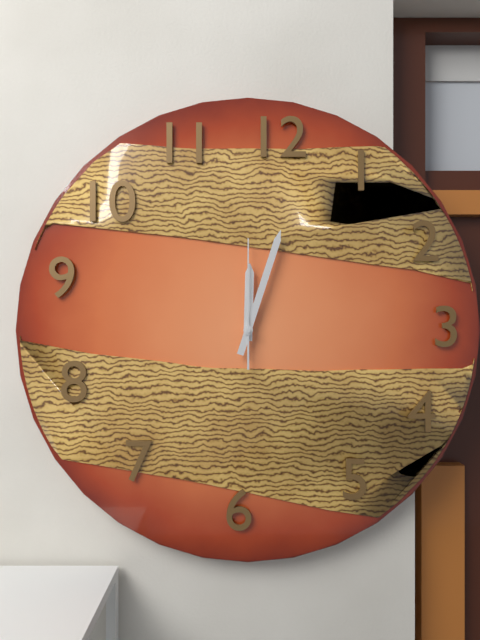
12:03:00
